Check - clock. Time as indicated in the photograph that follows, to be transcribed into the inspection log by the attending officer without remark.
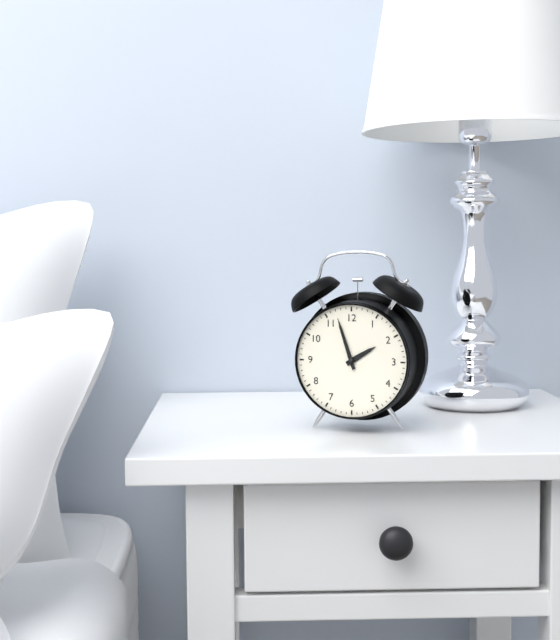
1:57
